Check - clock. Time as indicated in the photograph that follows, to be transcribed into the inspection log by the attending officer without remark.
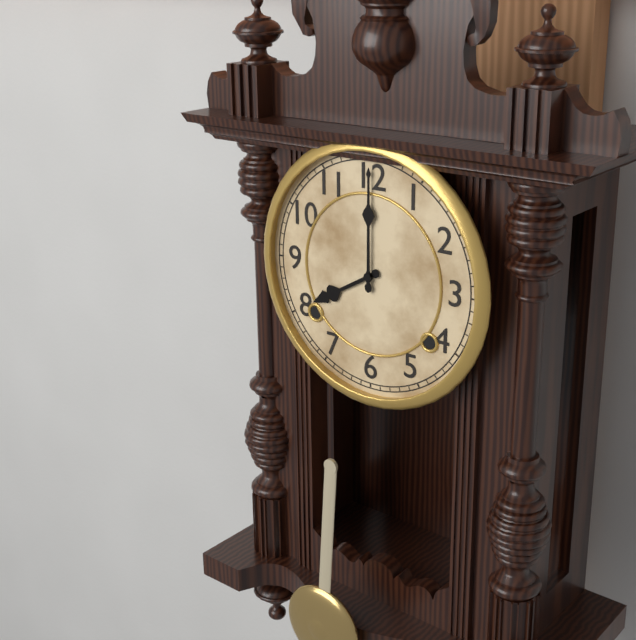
8:00
